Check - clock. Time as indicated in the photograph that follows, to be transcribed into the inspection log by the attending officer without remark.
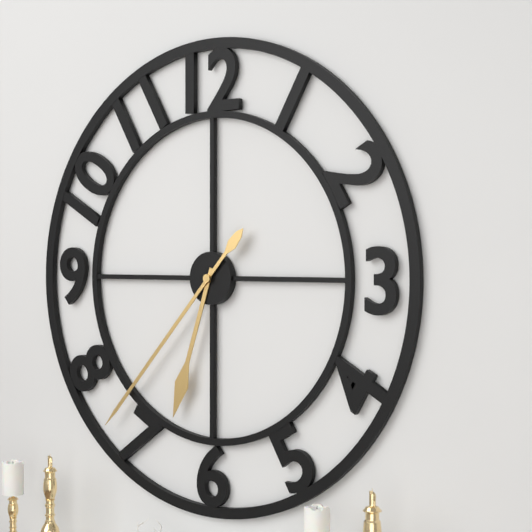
6:37
